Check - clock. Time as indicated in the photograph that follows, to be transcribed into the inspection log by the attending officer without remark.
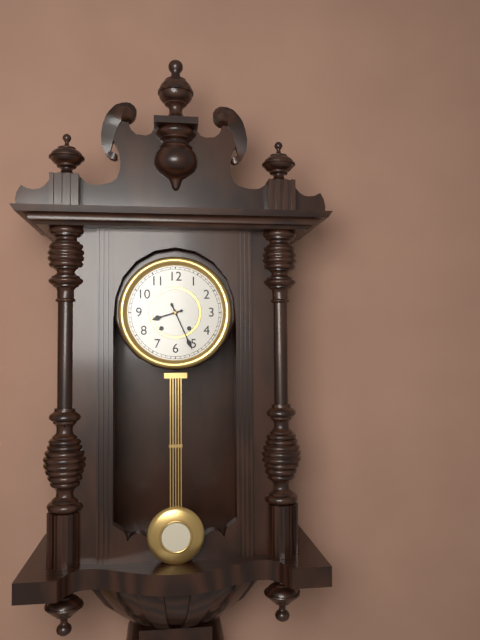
8:26
